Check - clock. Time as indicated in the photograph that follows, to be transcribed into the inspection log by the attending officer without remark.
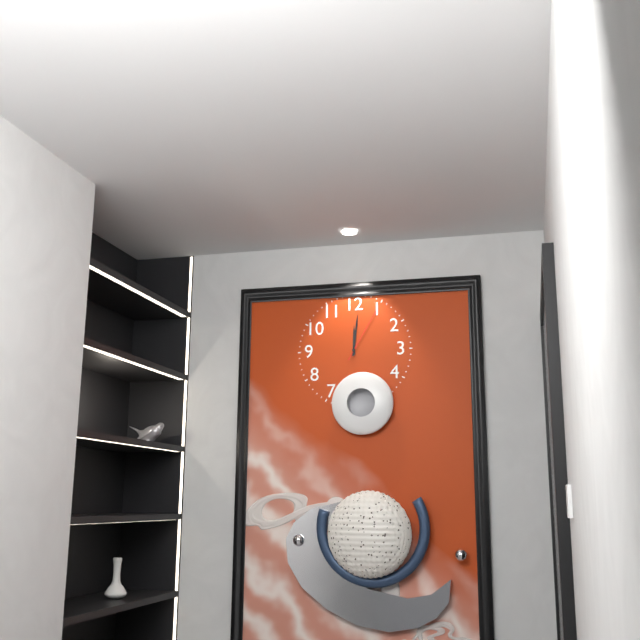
12:01:05
